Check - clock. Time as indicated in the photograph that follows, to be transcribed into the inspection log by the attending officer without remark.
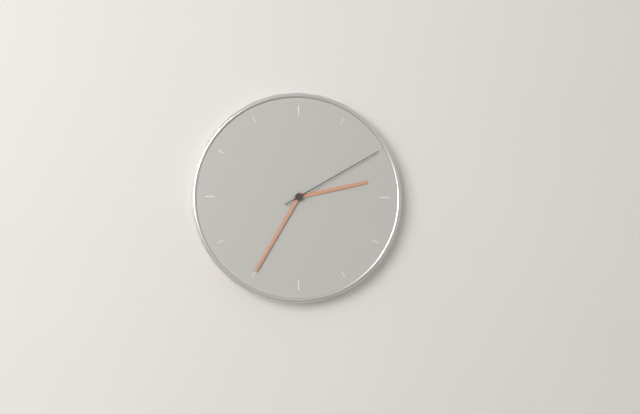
2:35:10
